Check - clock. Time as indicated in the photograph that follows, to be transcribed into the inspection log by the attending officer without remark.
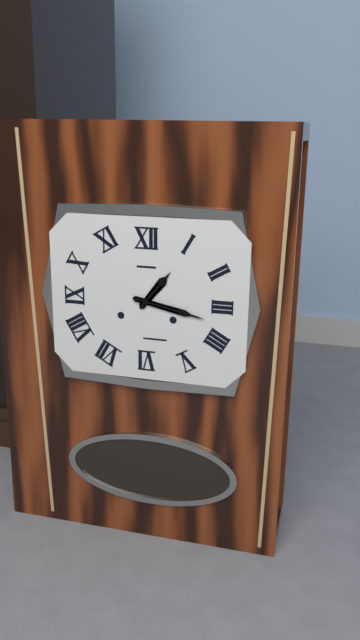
1:17
